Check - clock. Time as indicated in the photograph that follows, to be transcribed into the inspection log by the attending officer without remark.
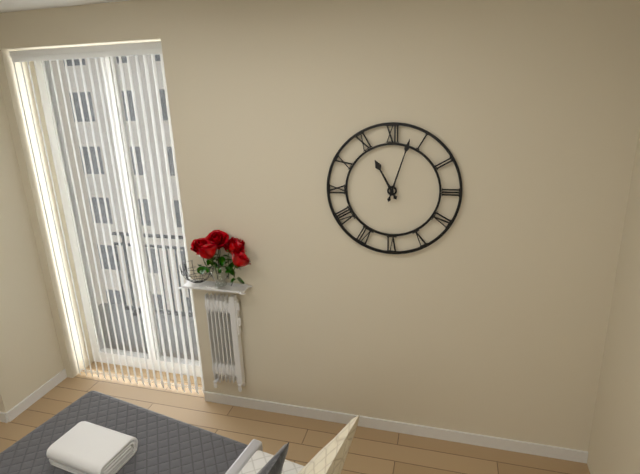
11:03
